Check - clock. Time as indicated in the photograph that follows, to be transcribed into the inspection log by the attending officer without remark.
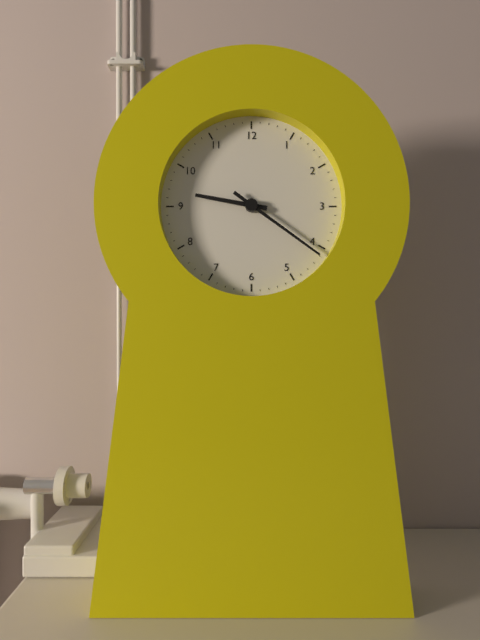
9:21
